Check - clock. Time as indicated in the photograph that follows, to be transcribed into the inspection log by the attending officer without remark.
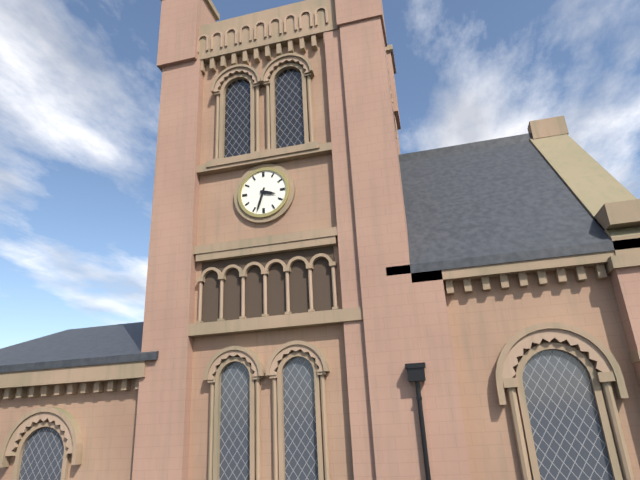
3:33
